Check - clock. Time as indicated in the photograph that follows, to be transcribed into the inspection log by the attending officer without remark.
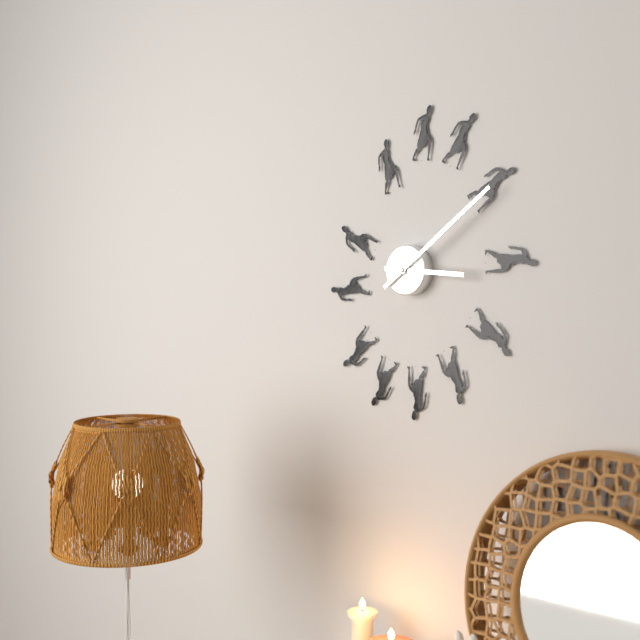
3:09
